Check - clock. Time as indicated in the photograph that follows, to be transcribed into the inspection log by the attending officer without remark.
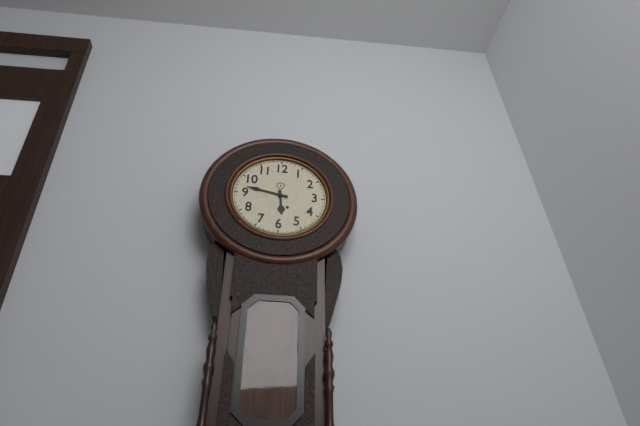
5:47
